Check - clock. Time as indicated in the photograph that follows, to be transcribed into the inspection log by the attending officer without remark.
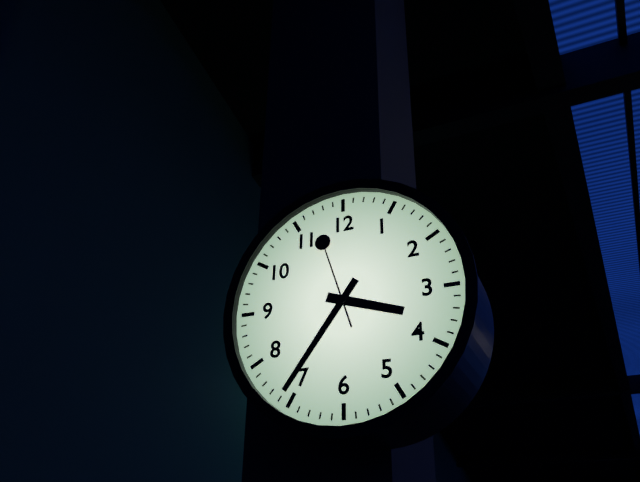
3:36:57
